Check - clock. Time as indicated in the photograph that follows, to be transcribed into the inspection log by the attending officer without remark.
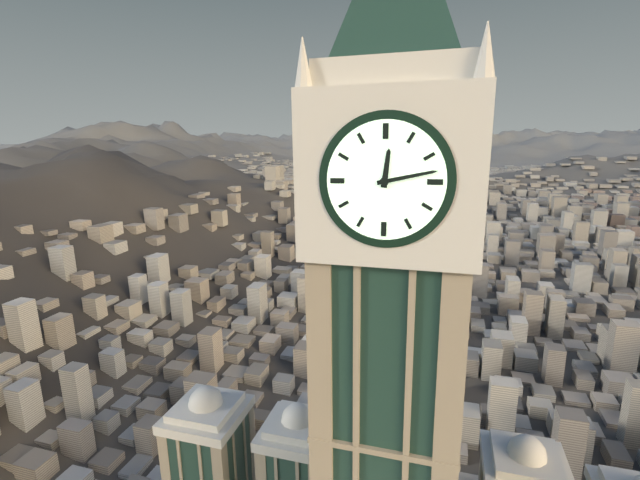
12:13
